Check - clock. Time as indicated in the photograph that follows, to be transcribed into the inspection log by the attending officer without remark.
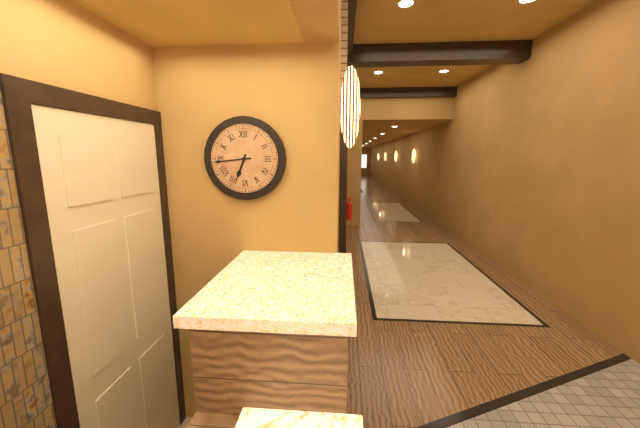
6:44
